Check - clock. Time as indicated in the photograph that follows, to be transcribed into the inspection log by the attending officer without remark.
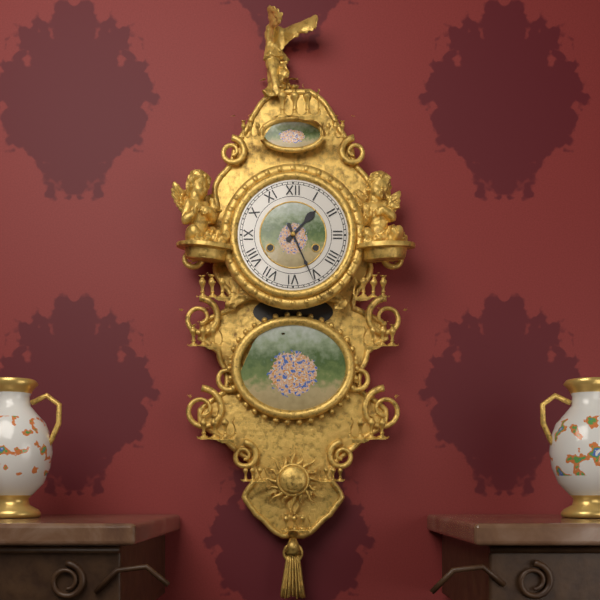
1:26
